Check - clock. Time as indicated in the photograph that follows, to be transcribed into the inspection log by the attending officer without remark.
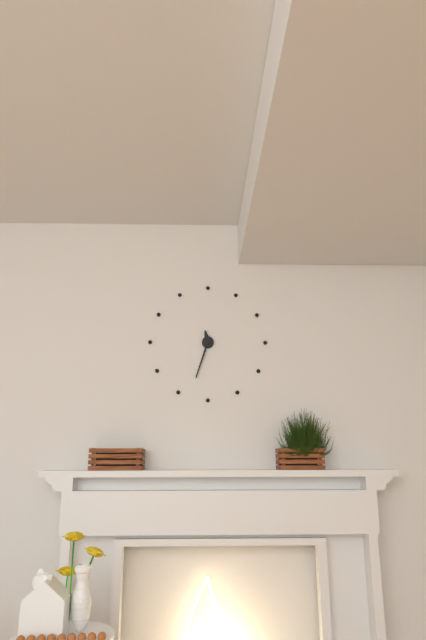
11:33
